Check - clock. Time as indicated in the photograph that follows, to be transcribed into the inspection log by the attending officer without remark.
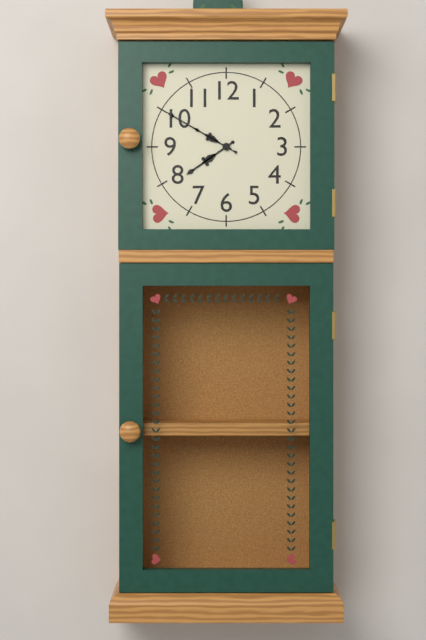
7:50
